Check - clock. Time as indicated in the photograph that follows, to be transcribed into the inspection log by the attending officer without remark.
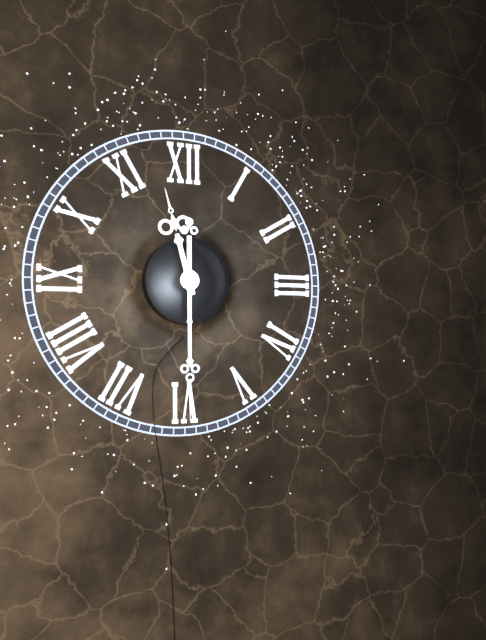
11:30
